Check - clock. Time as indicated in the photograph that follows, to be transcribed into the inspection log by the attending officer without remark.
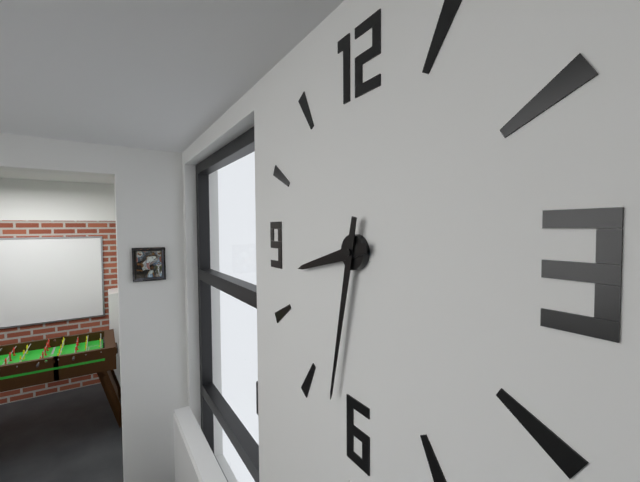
8:32
